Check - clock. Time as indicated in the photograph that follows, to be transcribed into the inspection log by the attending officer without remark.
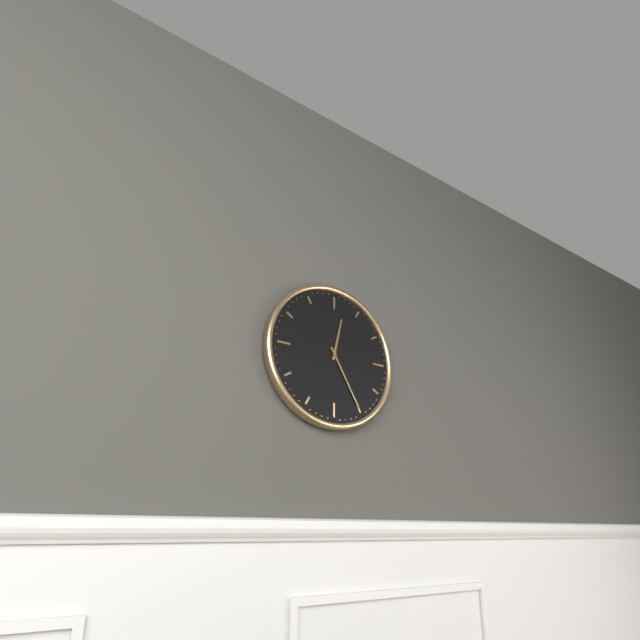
12:25
